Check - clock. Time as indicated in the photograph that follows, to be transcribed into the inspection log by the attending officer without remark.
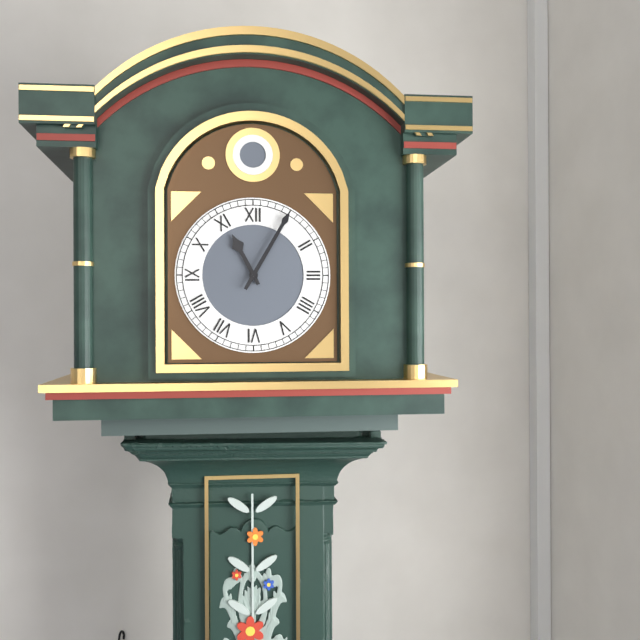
11:05
